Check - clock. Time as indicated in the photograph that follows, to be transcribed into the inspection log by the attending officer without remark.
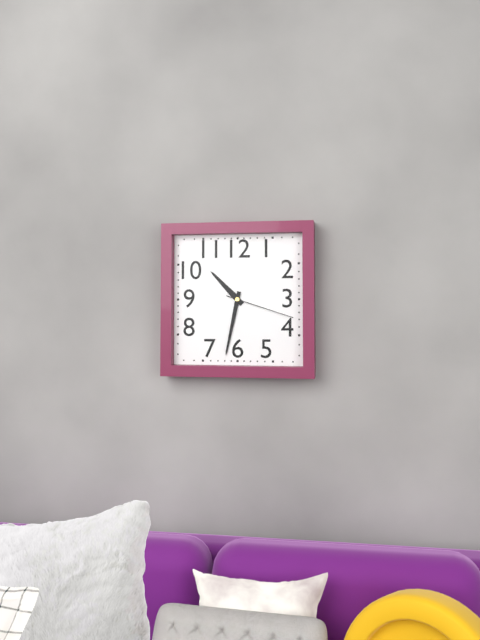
10:32:18
